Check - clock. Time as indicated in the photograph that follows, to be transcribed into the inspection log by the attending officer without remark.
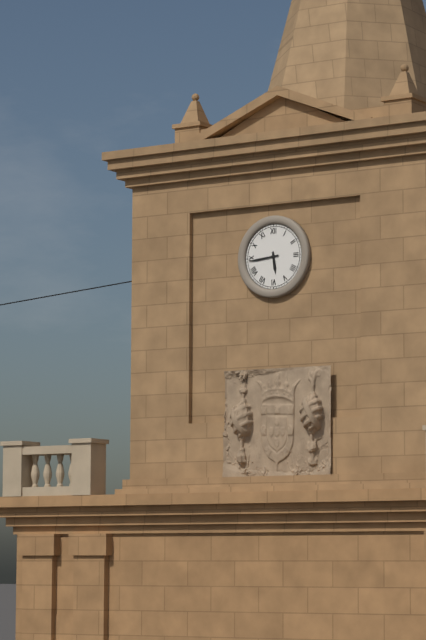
5:44
